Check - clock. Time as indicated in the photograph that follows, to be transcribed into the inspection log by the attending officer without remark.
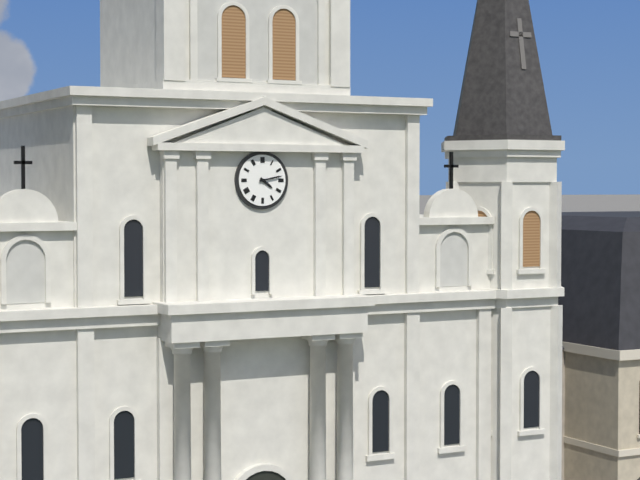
4:13
